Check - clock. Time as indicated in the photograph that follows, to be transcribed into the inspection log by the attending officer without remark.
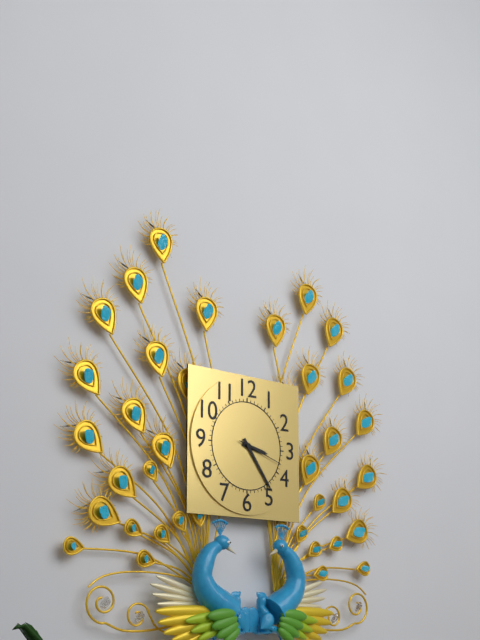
3:24
